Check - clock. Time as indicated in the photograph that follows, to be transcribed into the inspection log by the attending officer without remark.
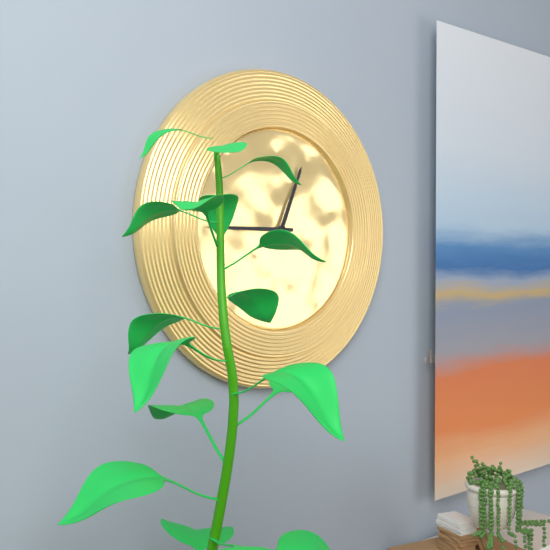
12:45
